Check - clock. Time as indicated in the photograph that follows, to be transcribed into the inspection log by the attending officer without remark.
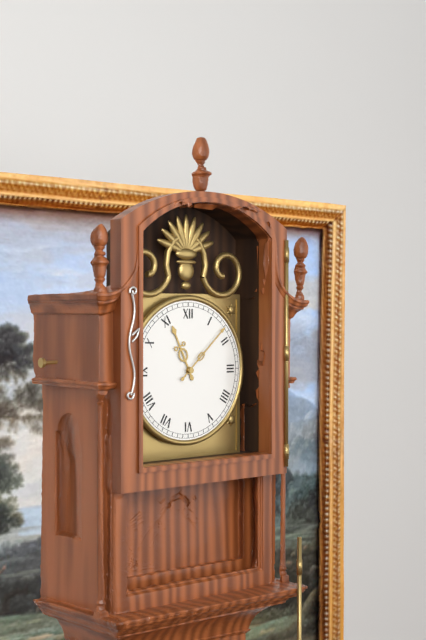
11:08
